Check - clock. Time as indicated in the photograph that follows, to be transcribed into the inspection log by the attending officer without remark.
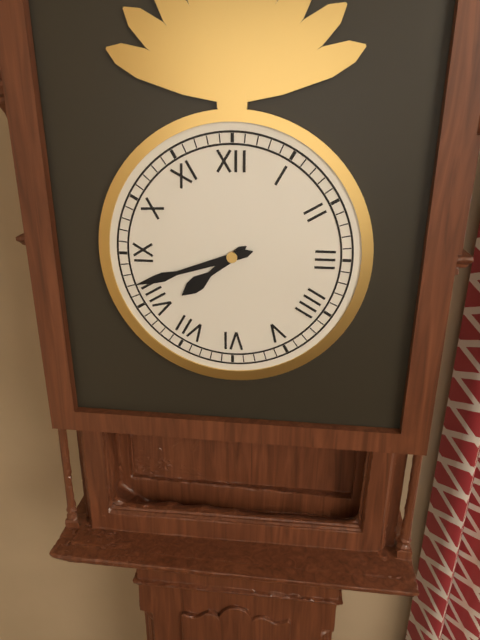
7:42
